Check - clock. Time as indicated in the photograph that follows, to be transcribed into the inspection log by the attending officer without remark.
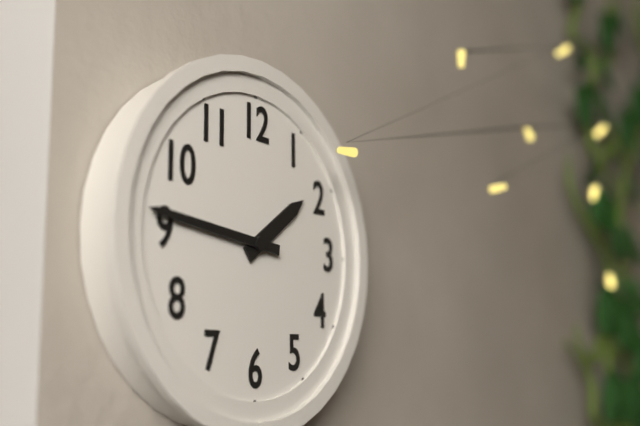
1:46
